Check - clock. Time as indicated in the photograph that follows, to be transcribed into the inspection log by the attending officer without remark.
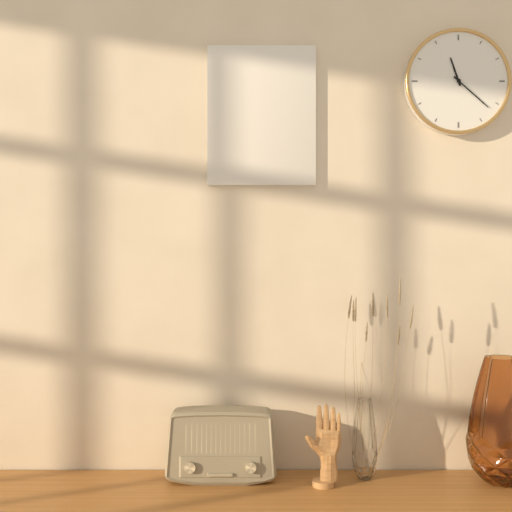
11:22
